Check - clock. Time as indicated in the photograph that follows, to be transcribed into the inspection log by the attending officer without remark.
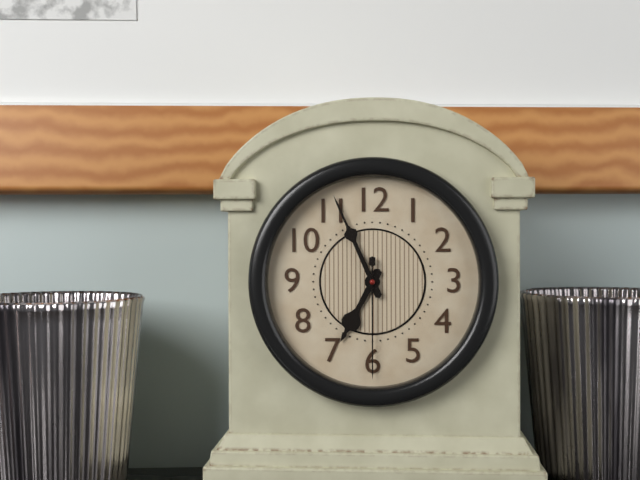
6:56:30
